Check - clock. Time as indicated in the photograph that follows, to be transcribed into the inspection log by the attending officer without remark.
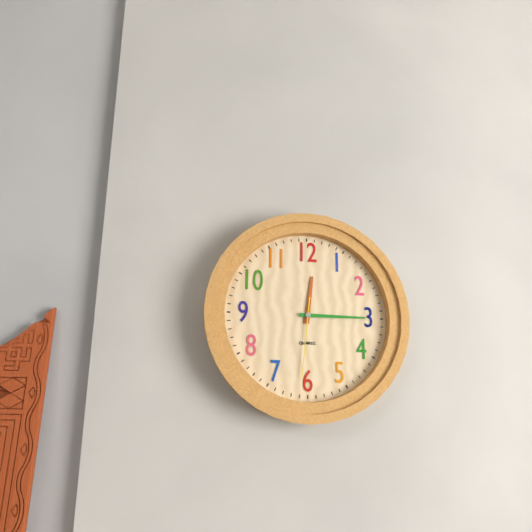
12:15:31
